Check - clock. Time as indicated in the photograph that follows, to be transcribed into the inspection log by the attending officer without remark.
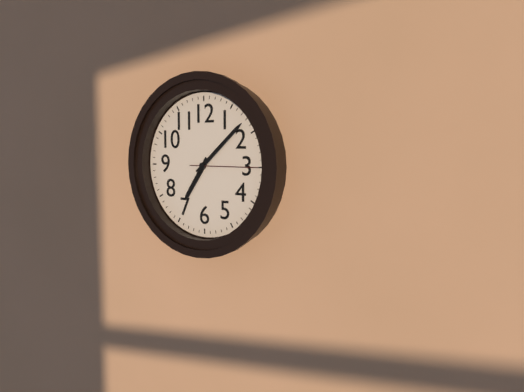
7:08:15
